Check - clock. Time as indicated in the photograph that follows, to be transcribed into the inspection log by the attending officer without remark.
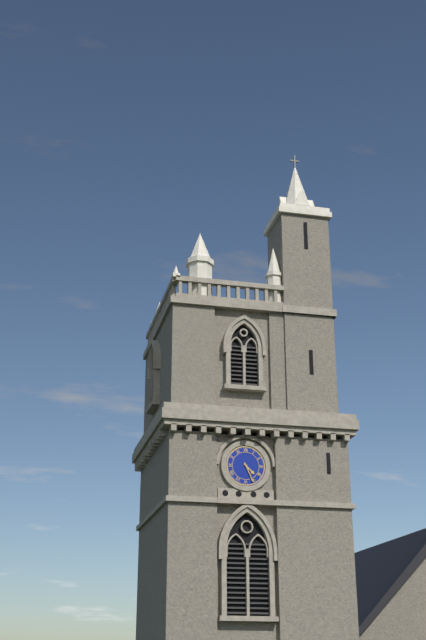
4:26
